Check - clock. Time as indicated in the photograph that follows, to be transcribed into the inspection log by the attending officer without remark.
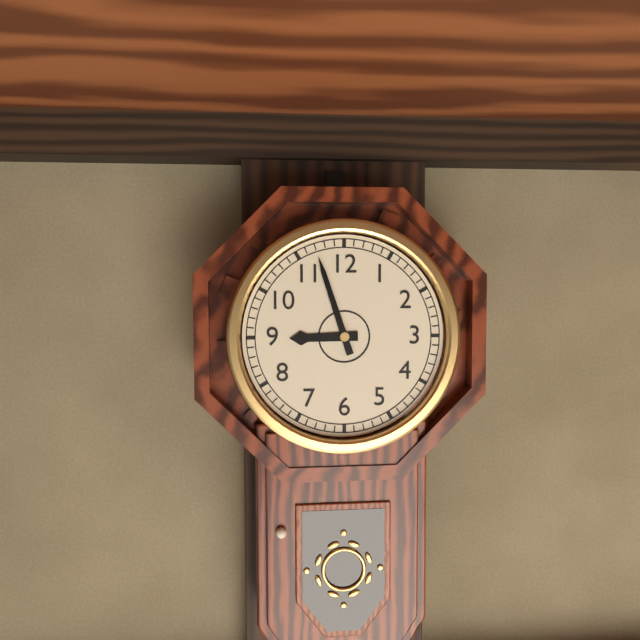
8:57
